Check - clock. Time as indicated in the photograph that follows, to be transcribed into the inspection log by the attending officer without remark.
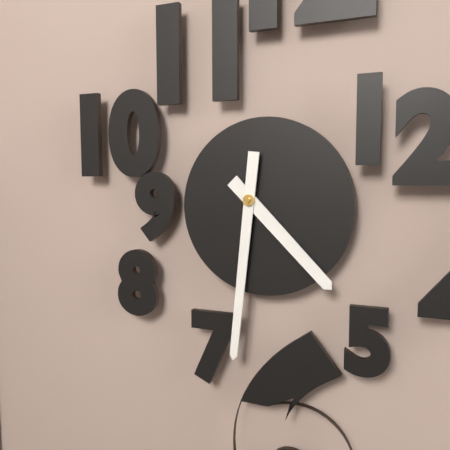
4:31
